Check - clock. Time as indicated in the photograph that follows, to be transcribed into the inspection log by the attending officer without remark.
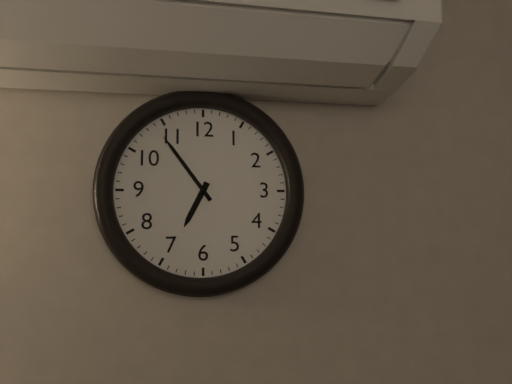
6:54
